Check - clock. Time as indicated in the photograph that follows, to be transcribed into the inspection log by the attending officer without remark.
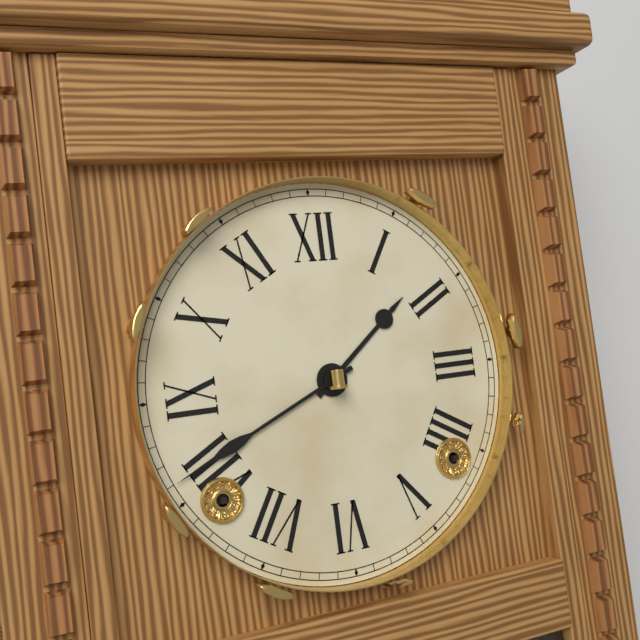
1:41
